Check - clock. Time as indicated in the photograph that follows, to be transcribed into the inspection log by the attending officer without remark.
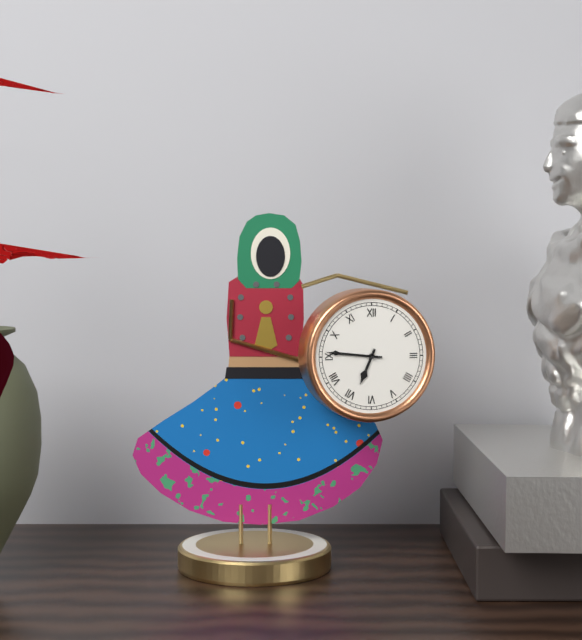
6:46
